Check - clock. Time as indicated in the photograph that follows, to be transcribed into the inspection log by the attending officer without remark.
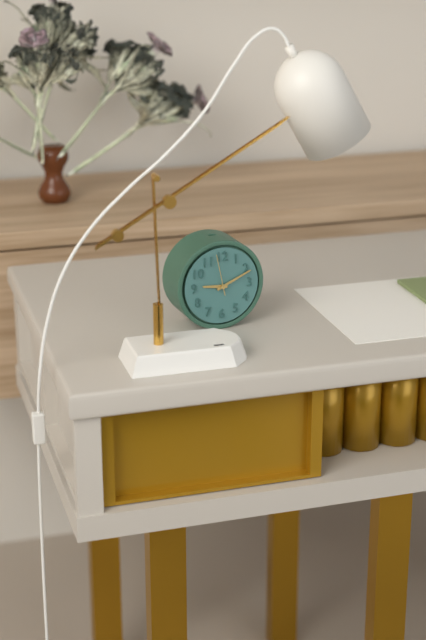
9:11
